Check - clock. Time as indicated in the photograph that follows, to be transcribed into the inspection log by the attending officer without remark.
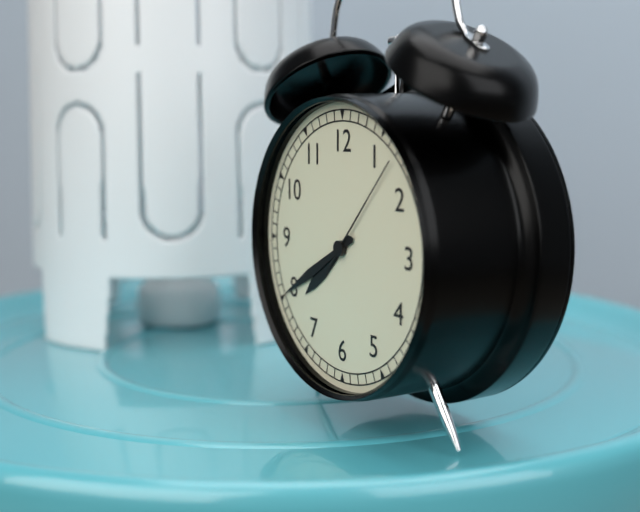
7:40:07
